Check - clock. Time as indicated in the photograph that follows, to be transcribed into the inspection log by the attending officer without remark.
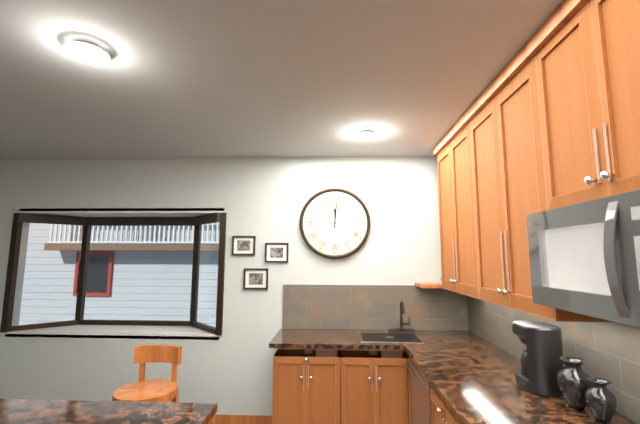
12:01
